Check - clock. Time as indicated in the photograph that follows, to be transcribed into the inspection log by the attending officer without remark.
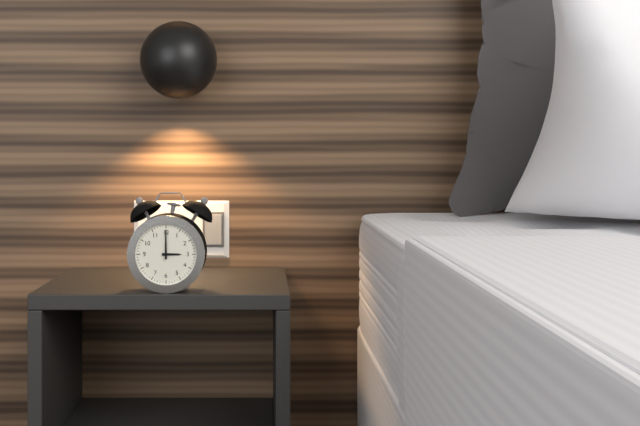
3:00
